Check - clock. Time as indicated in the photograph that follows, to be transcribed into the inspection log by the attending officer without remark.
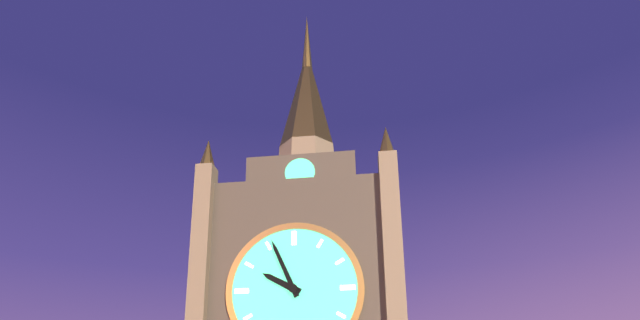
9:56
